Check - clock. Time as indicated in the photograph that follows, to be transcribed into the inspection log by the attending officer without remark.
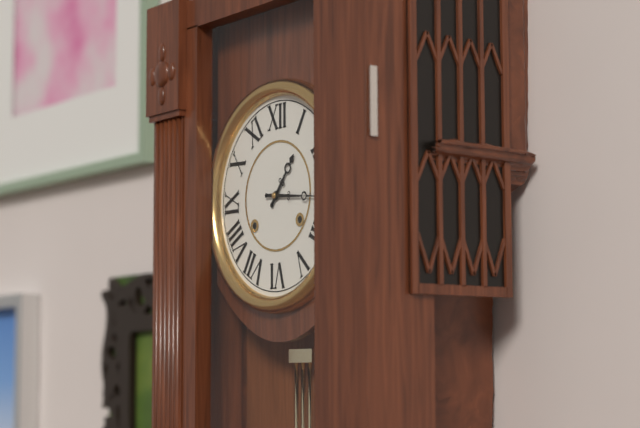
1:16
